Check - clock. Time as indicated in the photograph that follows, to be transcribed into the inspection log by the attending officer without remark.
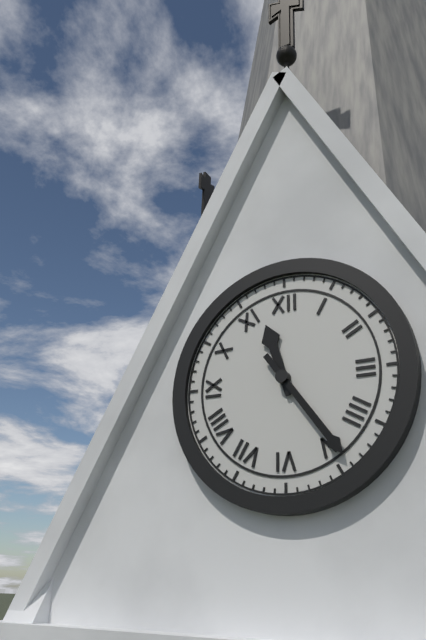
11:24
